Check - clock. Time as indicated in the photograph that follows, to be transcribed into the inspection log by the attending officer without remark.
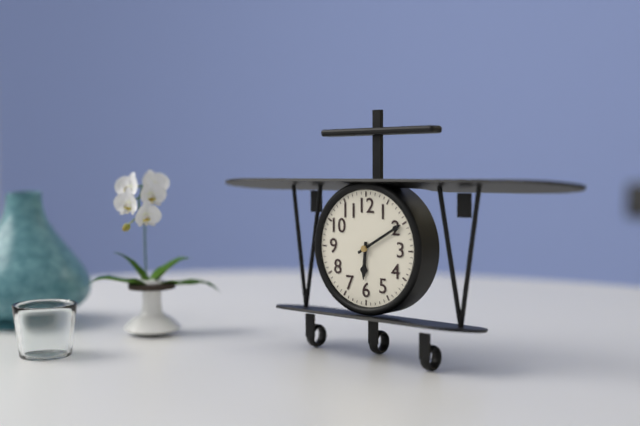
6:10
